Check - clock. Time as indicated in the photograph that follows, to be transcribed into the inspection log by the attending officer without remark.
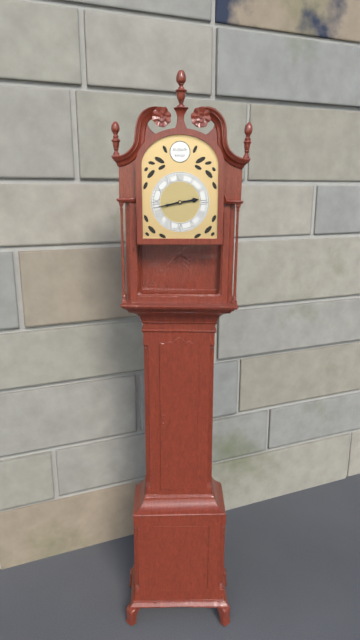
2:43
